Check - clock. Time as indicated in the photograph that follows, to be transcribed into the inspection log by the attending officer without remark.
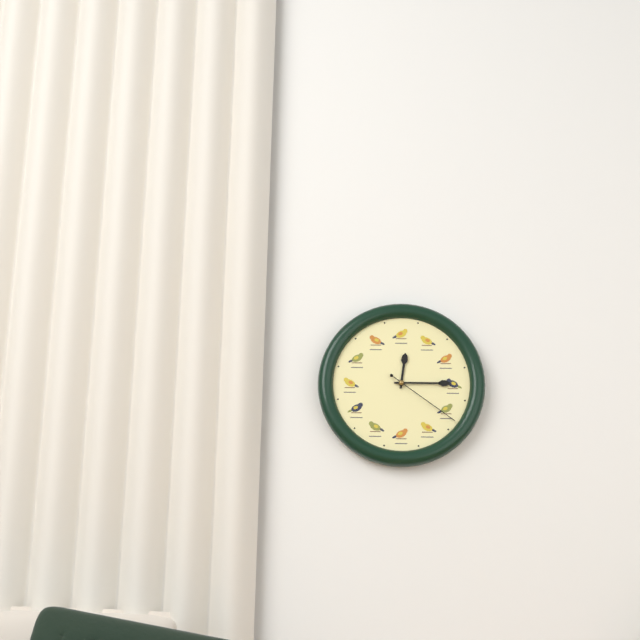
12:15:21
